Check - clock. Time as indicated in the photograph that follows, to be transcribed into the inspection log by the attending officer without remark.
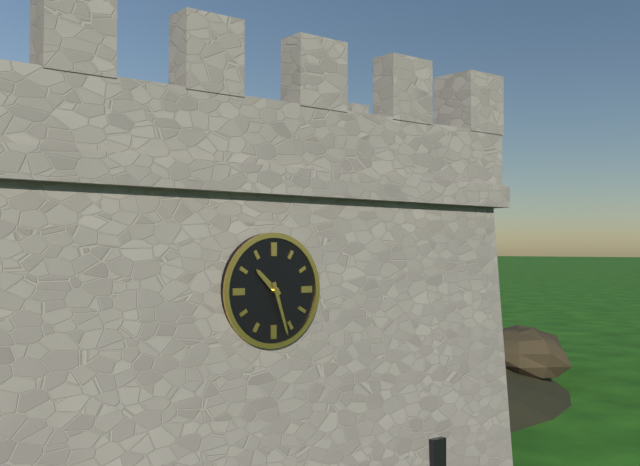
10:27
